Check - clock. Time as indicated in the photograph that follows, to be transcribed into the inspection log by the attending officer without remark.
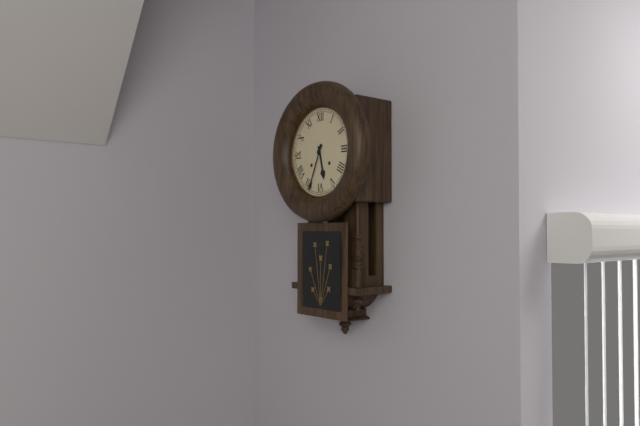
5:34
